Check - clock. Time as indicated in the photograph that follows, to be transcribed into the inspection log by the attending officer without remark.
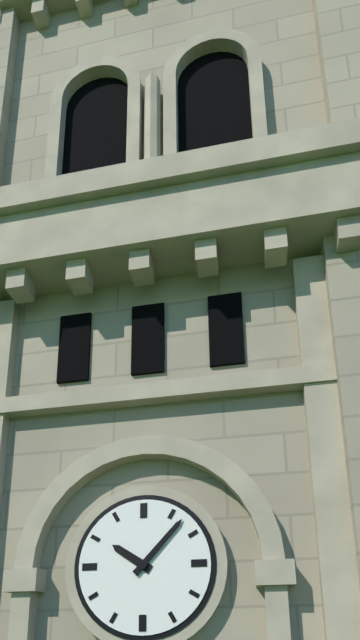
10:07
